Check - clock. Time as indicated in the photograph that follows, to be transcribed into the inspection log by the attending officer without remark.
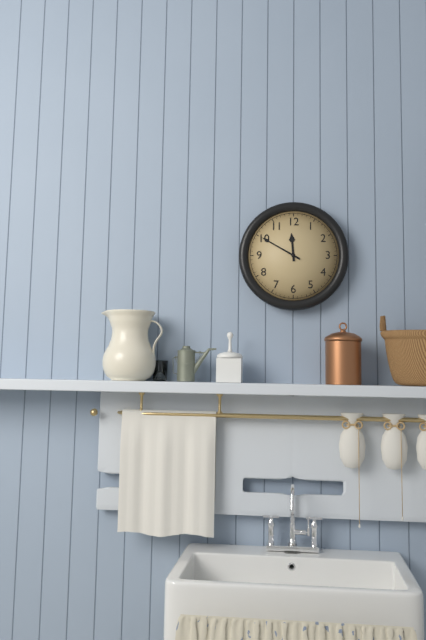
11:50
